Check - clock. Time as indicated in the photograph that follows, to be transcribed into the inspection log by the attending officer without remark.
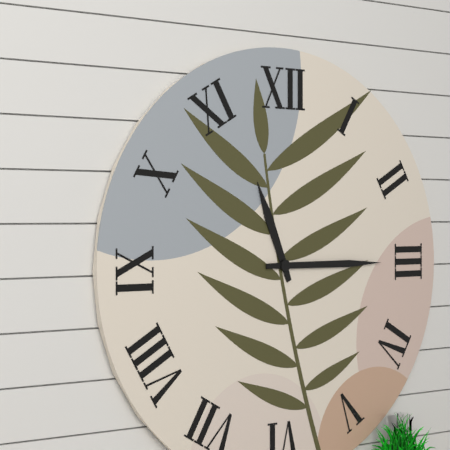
11:15
